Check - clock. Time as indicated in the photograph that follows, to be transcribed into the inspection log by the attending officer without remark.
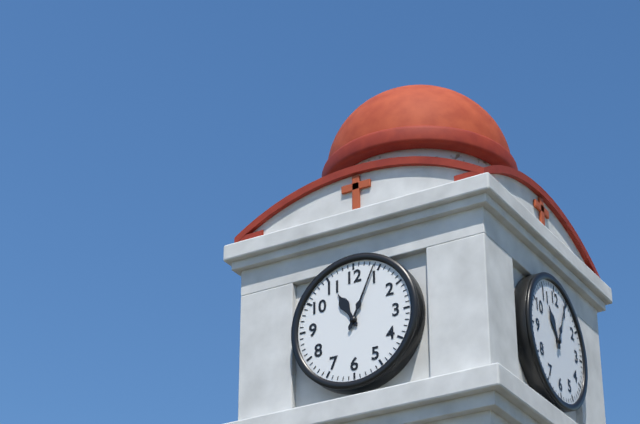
11:04
